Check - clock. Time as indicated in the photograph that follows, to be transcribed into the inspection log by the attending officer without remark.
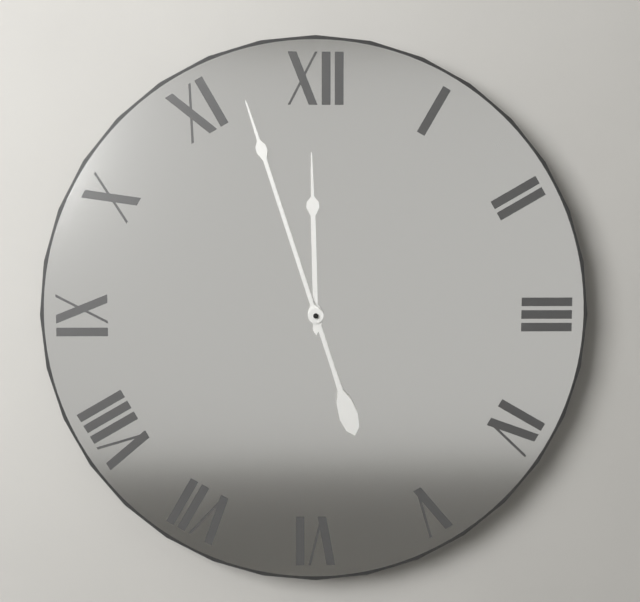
11:57
